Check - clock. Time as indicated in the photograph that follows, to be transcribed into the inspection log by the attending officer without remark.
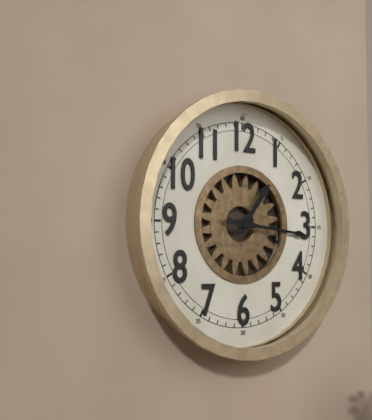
1:16
